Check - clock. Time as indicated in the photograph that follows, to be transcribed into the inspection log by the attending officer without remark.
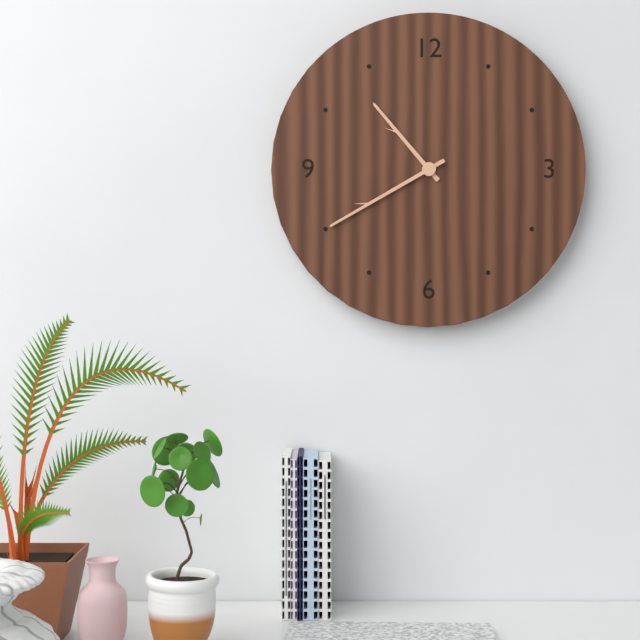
10:40
